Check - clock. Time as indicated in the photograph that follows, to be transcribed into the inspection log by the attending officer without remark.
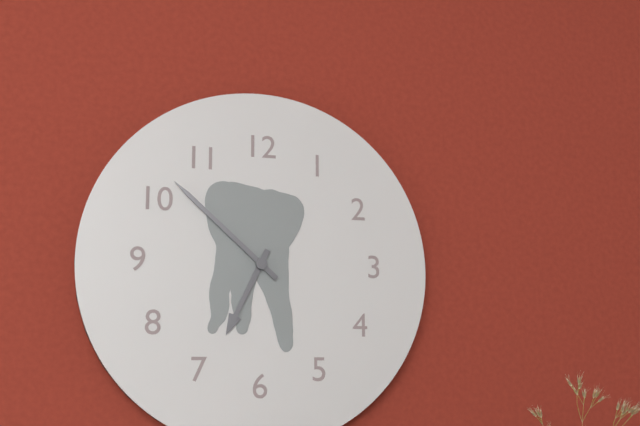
6:52
